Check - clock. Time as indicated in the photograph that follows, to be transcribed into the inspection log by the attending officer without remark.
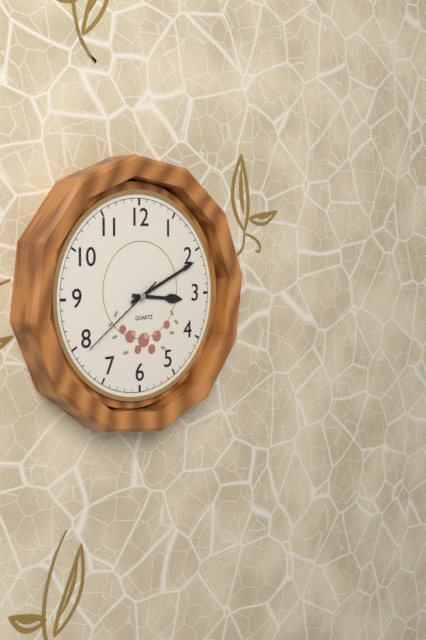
3:11:39
